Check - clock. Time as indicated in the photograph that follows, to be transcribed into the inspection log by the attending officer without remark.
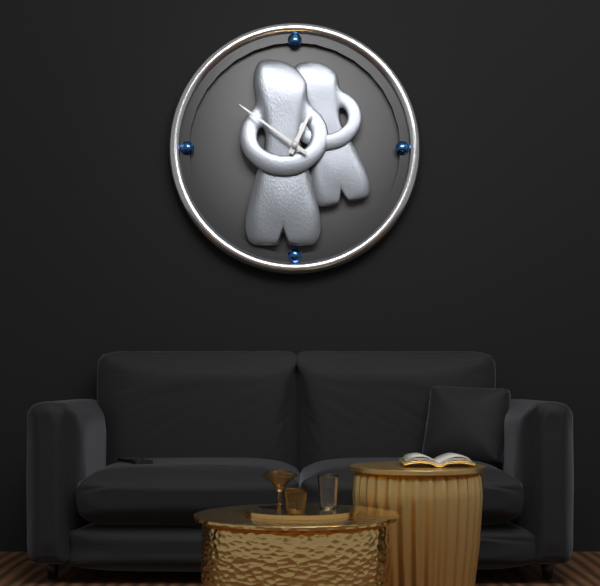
12:51
